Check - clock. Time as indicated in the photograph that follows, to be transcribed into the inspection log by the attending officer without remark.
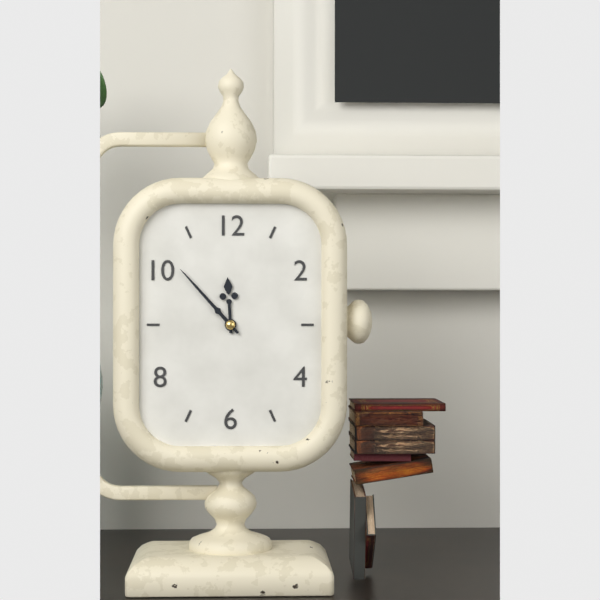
11:53
